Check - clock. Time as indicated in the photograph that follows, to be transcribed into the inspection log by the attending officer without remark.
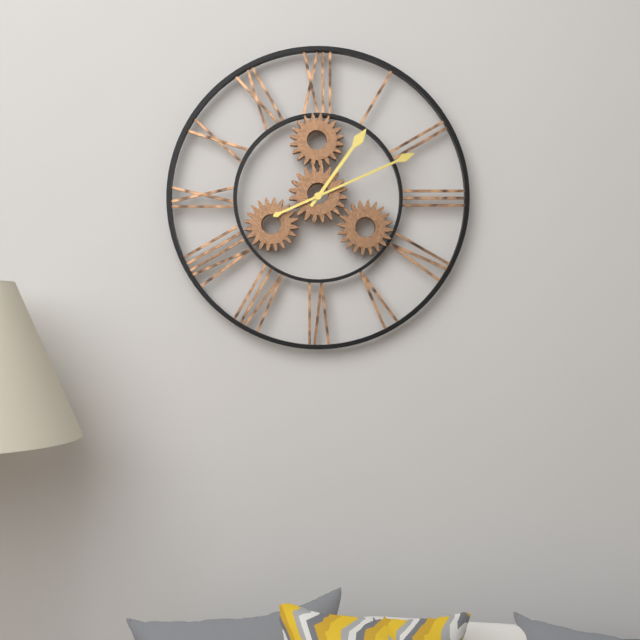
1:11
